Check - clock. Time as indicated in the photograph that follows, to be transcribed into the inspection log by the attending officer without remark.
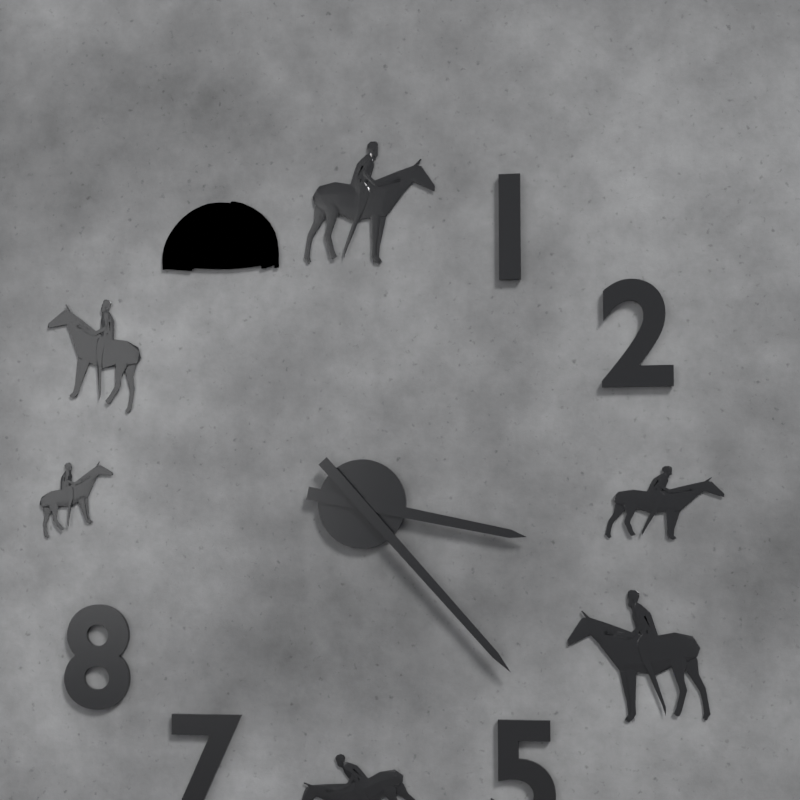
3:23
